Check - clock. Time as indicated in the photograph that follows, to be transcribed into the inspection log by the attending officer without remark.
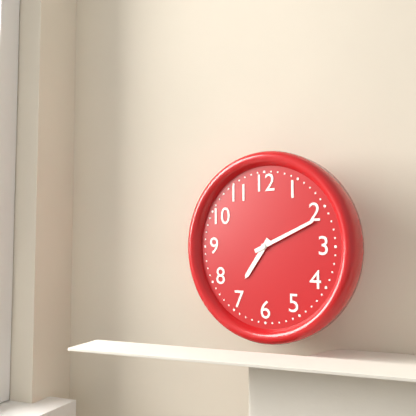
7:11
